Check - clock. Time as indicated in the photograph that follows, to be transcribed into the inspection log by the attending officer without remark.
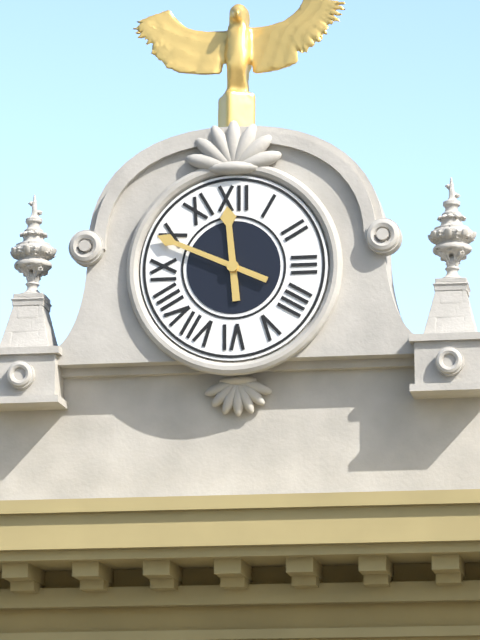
11:49
